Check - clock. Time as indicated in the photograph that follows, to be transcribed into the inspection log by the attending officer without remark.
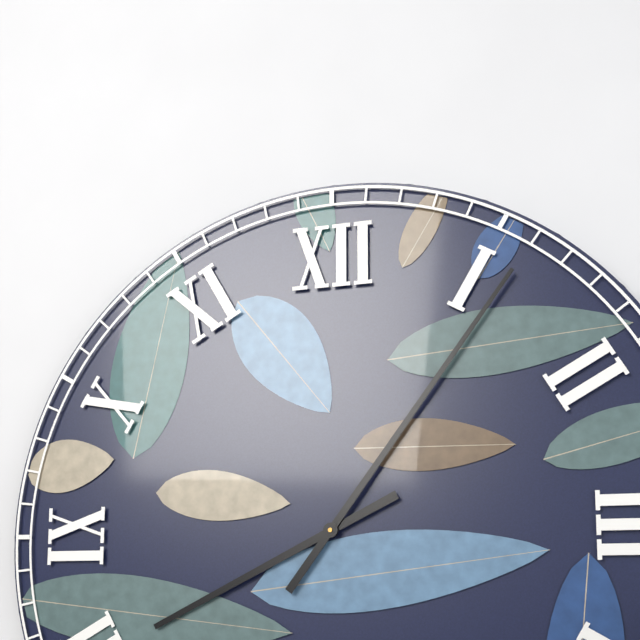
8:06
